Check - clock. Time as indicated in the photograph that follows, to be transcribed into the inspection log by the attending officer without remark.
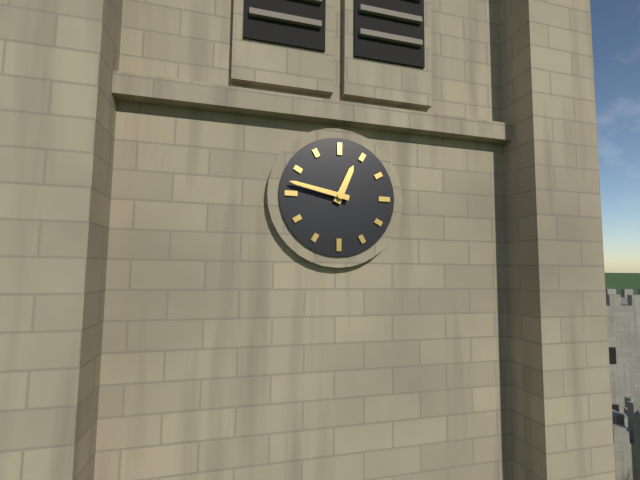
12:47
